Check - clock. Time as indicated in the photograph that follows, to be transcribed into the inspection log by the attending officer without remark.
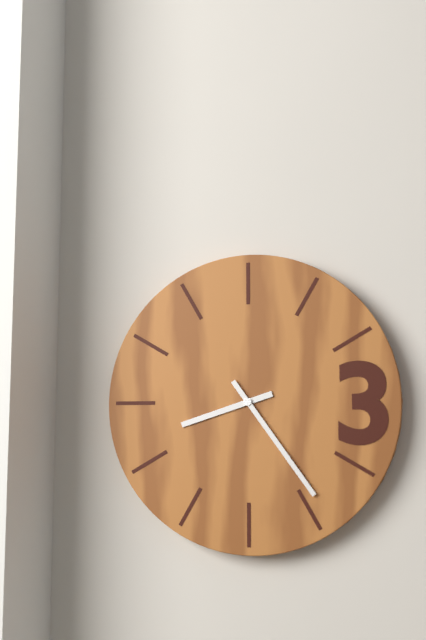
8:24
